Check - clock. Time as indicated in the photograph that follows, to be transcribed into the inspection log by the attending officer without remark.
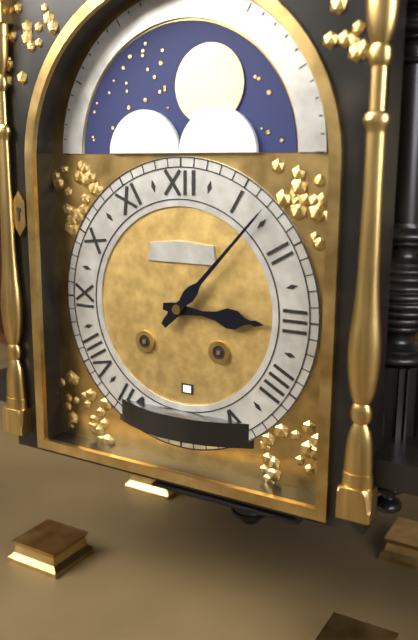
3:07
